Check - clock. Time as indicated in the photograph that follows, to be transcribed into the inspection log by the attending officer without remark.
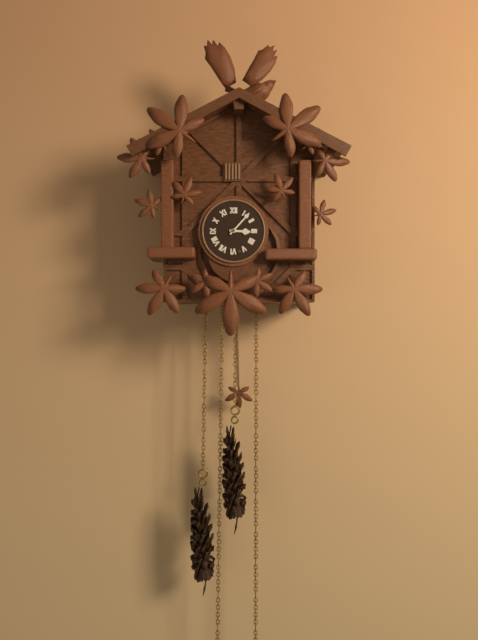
3:07
